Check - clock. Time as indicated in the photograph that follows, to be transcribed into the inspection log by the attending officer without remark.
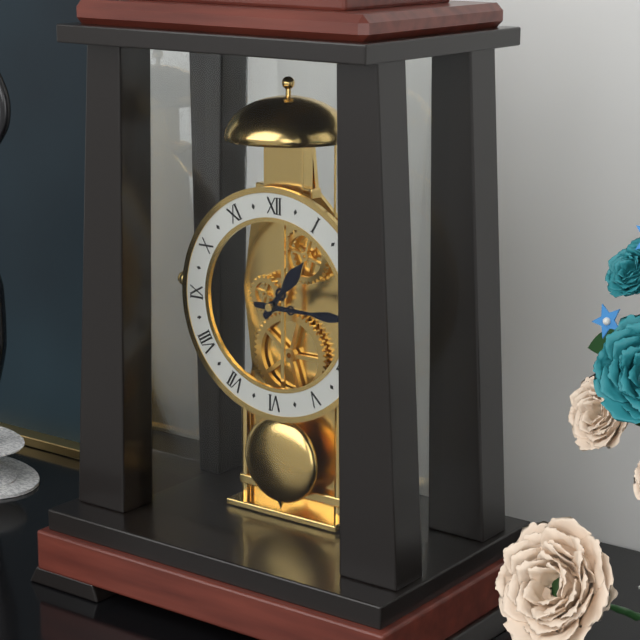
1:15
